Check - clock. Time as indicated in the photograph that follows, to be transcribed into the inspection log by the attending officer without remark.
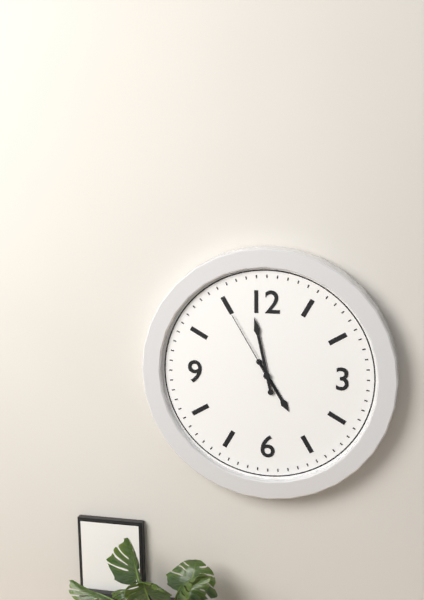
4:58:55
